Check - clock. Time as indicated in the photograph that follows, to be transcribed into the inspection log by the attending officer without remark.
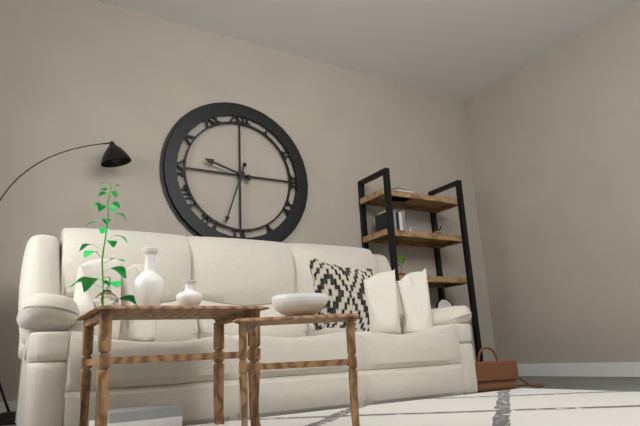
9:33
